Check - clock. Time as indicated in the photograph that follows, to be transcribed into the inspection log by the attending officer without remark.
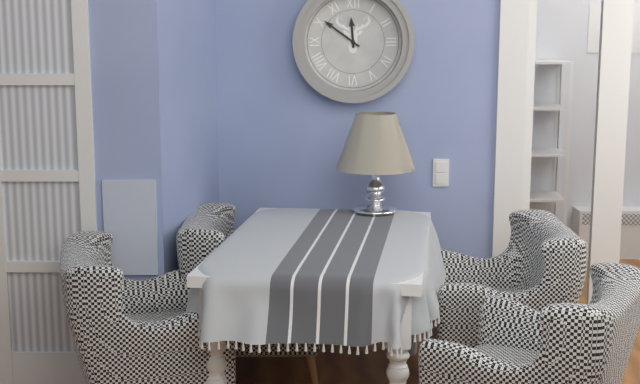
11:51
